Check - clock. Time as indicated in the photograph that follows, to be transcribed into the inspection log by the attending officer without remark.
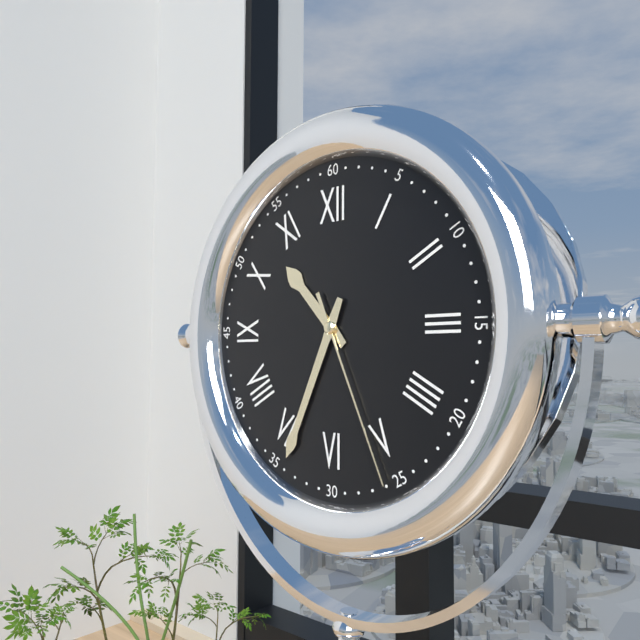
10:34:26
